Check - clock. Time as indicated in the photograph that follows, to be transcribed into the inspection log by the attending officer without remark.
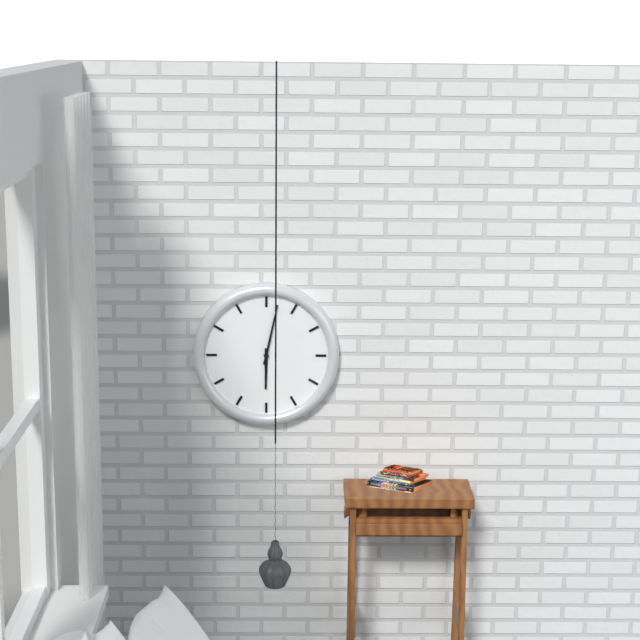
6:02
